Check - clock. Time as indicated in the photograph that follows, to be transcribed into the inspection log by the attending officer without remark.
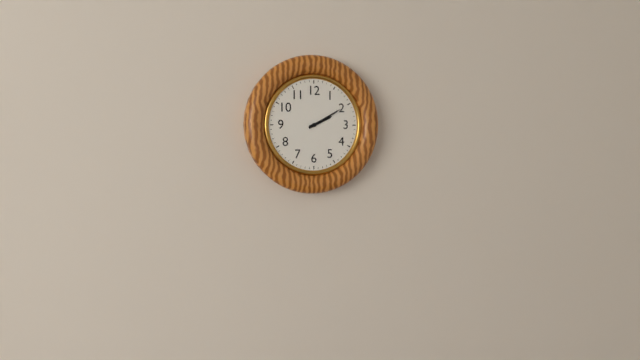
2:10
